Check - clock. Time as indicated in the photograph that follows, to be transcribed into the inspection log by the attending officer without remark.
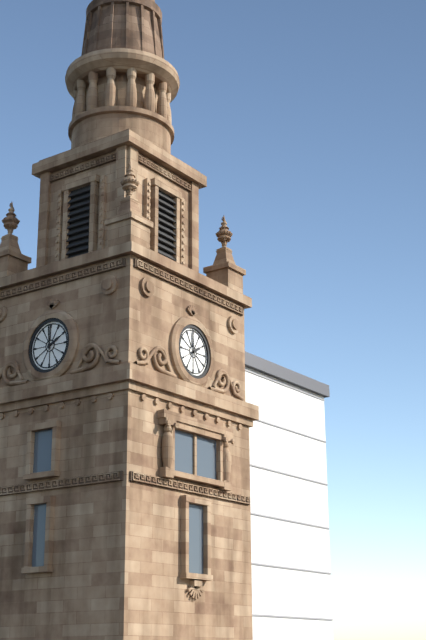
1:59
